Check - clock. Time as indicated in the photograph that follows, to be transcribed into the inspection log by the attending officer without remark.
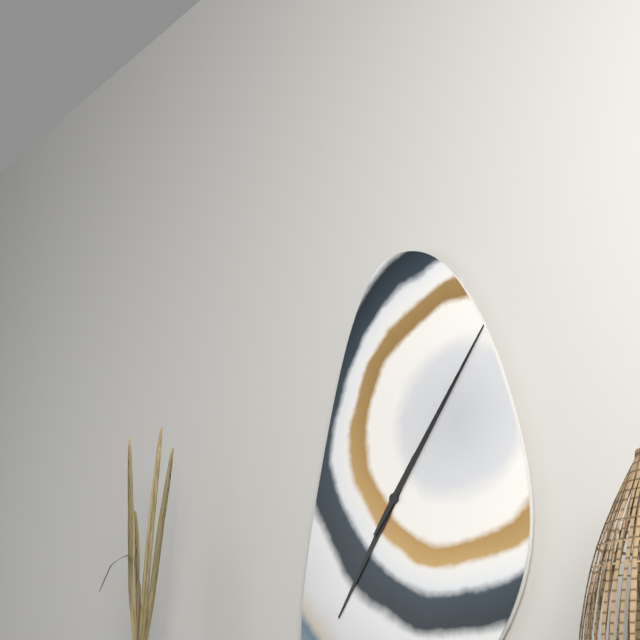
7:06
